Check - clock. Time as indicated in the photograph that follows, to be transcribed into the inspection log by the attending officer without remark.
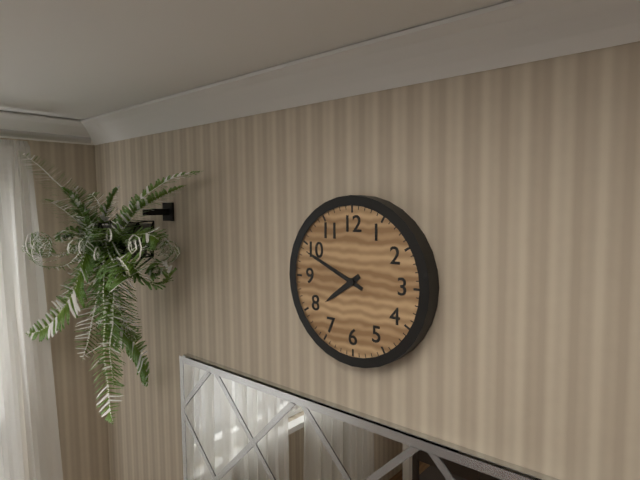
7:49
